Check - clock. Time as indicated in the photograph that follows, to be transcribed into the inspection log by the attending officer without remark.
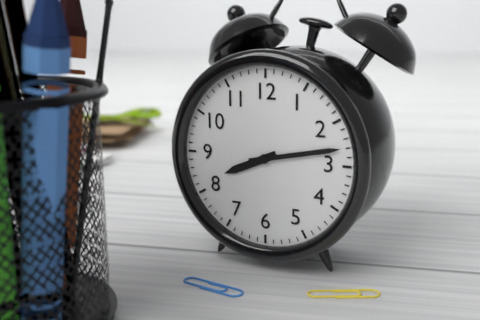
8:13
